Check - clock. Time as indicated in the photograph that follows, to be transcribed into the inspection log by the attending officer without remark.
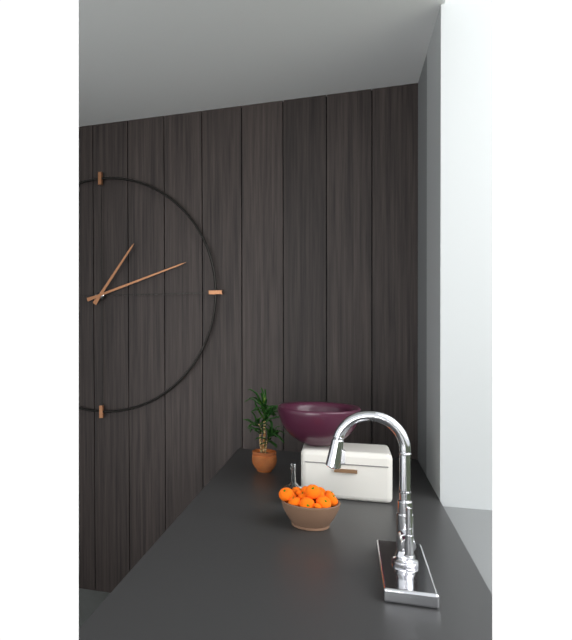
1:12
